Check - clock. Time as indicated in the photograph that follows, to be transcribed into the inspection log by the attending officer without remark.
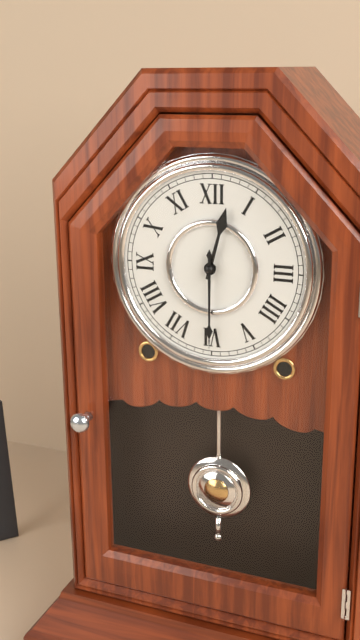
12:30
